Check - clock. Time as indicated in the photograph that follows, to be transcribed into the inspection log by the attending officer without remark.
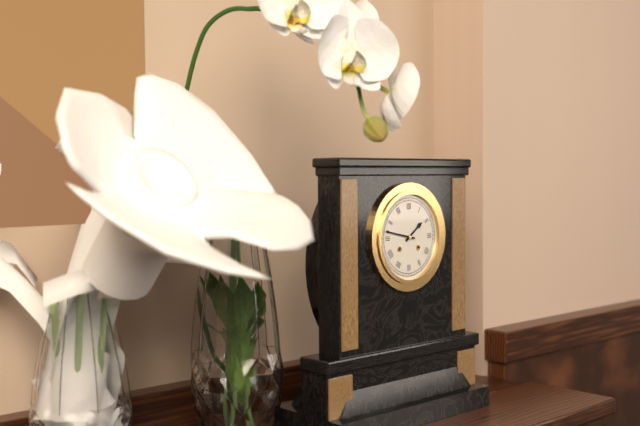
1:47
